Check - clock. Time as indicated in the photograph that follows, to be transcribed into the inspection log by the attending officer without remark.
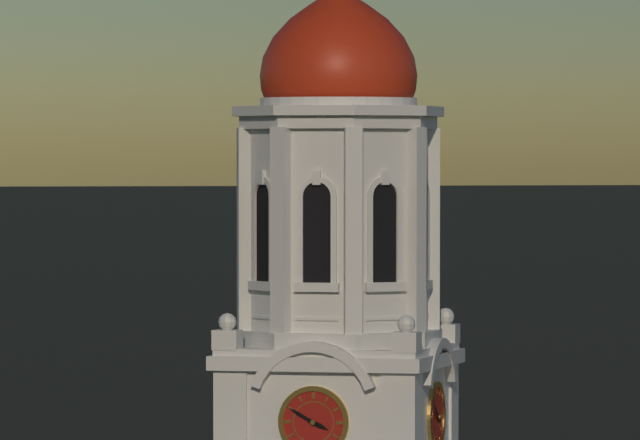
3:50
